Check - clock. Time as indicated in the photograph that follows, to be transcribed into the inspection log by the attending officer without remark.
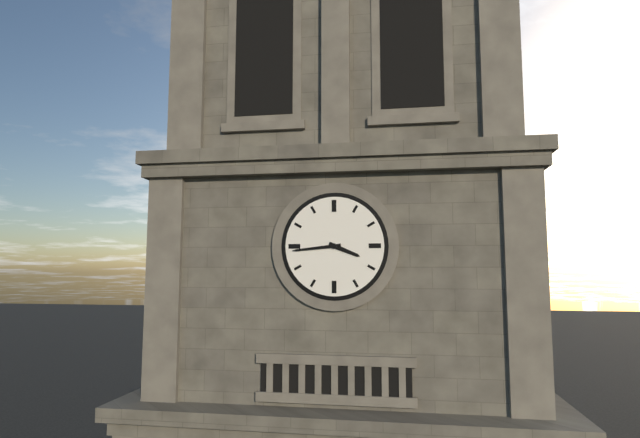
3:44
